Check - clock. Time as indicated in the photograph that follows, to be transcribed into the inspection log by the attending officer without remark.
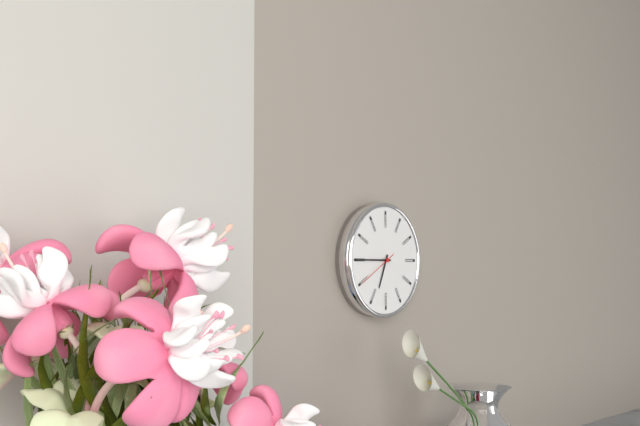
6:45
